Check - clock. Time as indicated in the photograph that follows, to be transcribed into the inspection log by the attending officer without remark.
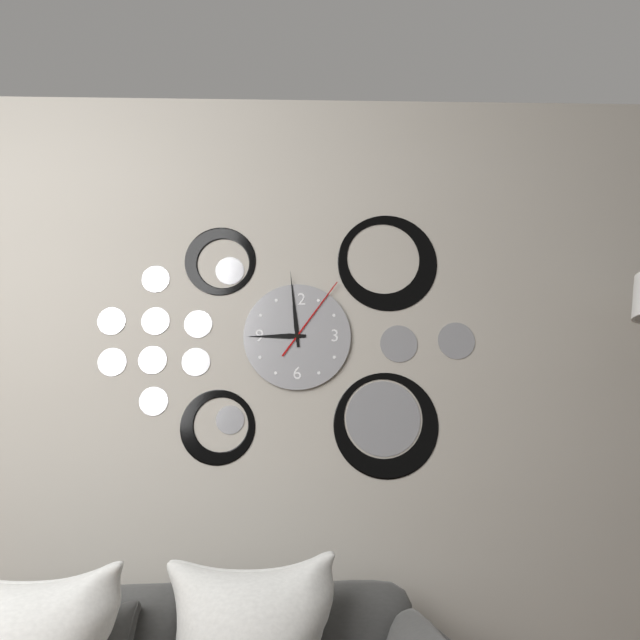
8:59:06
